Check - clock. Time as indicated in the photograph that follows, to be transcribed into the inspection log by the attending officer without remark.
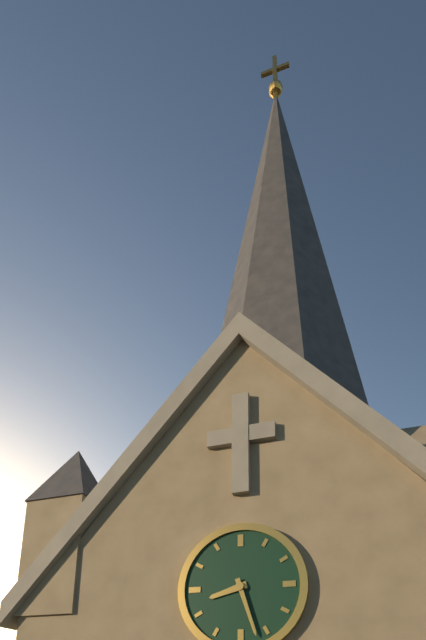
8:27
